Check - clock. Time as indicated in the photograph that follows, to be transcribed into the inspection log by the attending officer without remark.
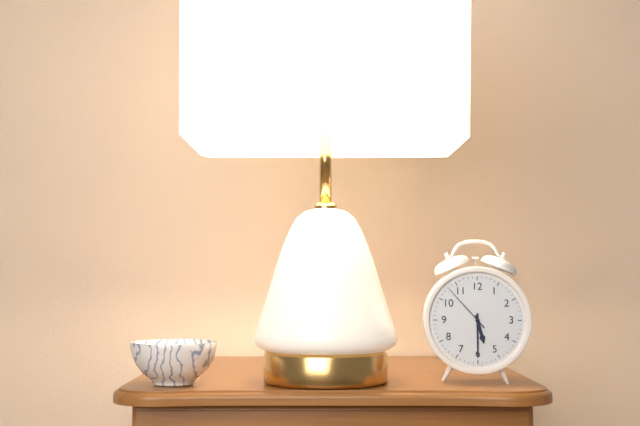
5:30:53
